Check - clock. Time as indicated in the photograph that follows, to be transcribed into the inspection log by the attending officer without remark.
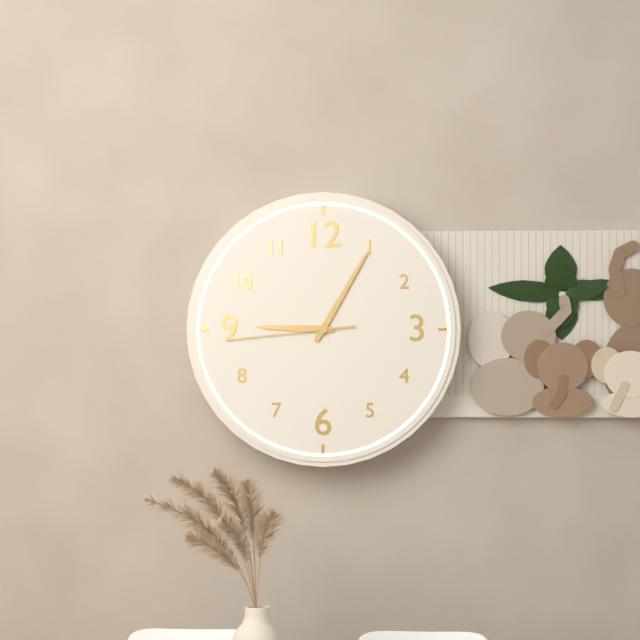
9:05:44
